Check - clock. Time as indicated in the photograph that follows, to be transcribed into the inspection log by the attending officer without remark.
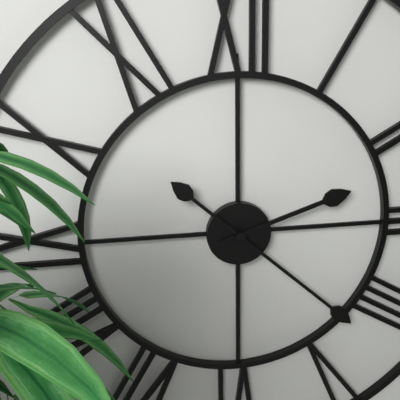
2:22
